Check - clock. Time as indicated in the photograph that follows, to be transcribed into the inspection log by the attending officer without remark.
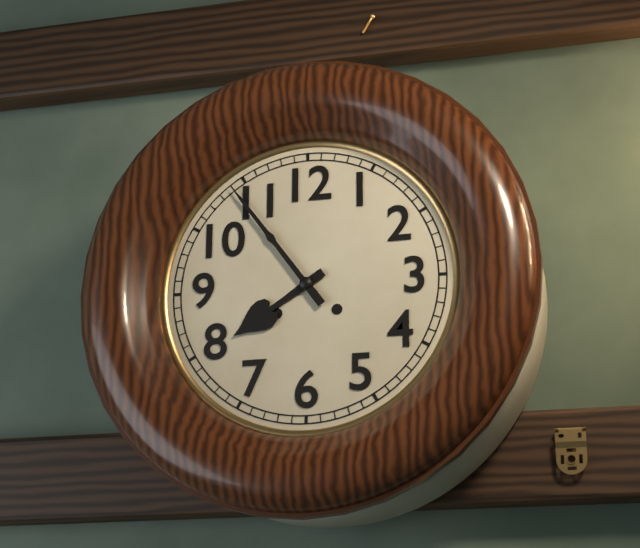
7:54
